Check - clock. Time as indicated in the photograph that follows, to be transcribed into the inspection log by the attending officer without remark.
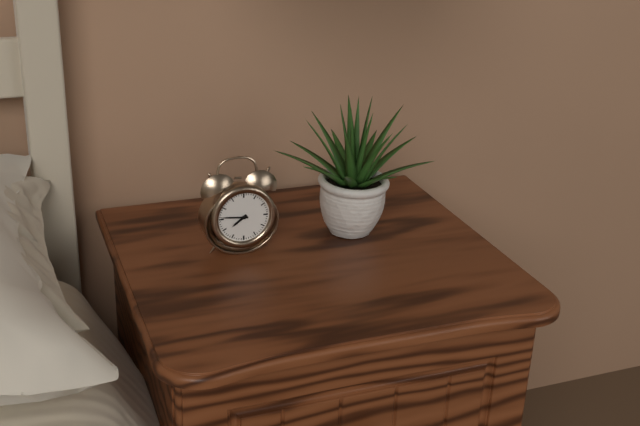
7:46
